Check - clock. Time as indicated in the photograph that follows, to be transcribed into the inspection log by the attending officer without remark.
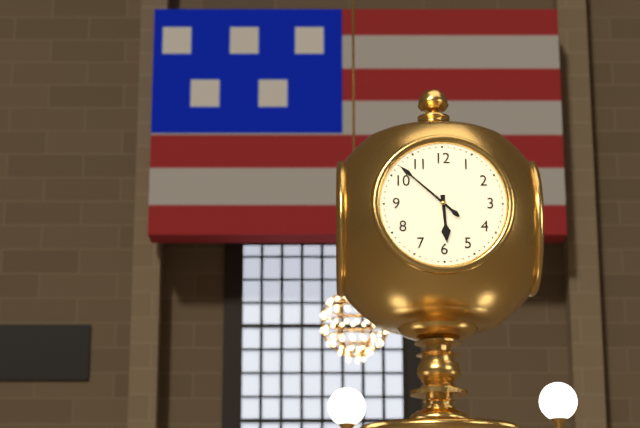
5:52
